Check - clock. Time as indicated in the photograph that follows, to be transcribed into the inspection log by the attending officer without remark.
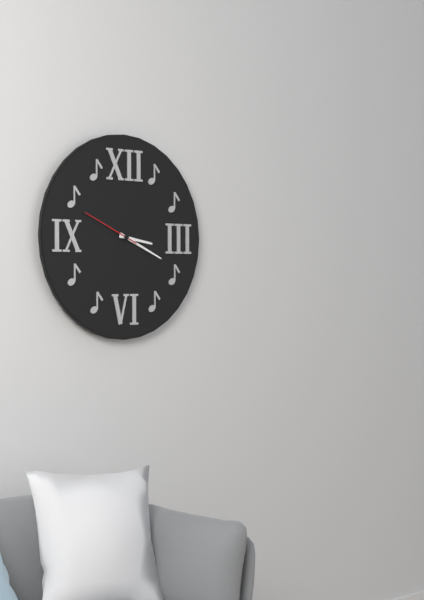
3:19:49
